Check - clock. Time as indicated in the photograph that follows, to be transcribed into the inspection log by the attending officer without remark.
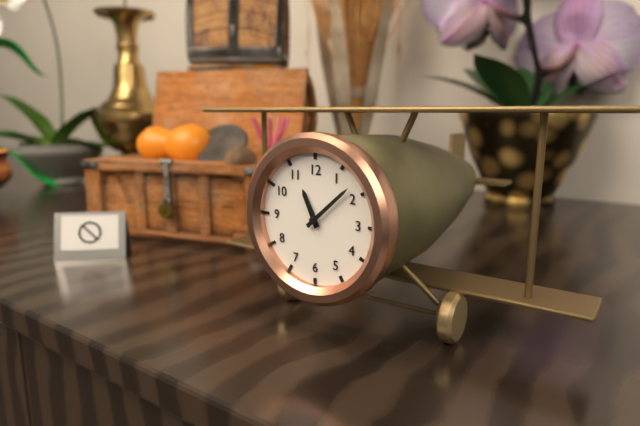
11:08
